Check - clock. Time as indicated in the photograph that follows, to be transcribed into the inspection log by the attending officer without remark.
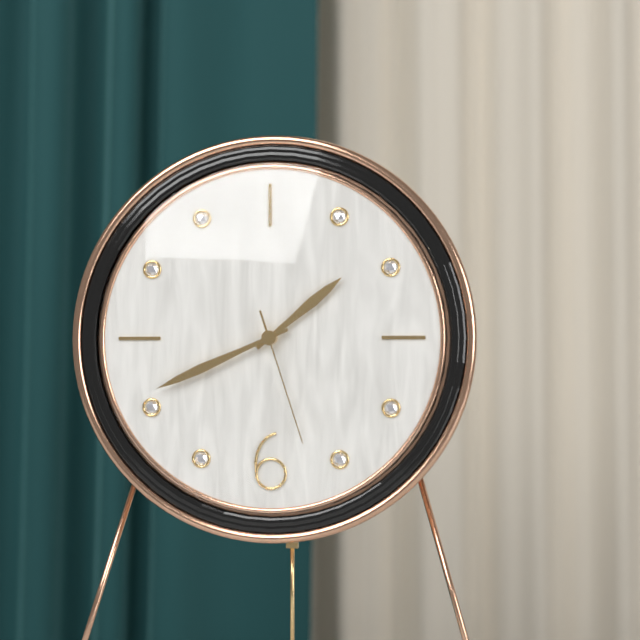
1:41:27
